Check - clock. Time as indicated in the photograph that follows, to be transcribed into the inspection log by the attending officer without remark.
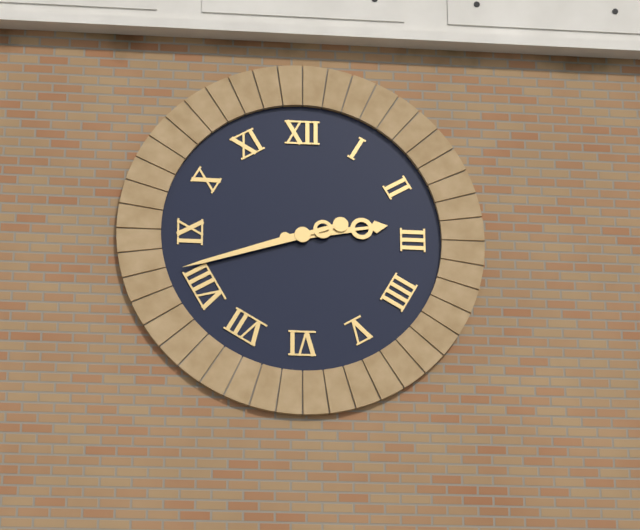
2:42
